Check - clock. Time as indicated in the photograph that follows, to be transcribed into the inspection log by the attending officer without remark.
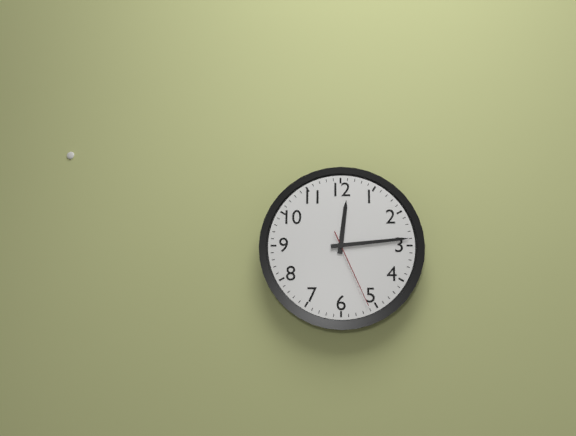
12:14:26
